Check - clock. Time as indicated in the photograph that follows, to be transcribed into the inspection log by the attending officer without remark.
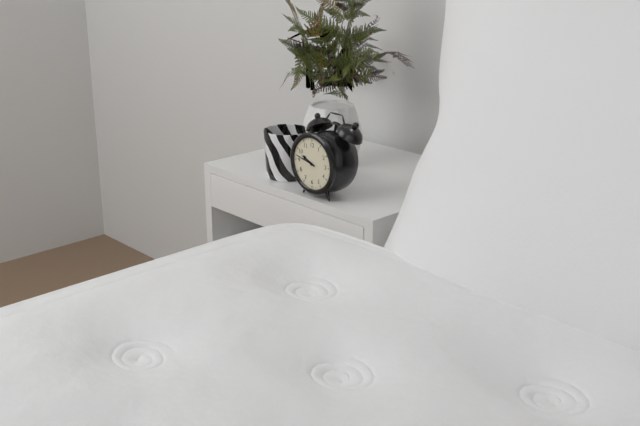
9:47
